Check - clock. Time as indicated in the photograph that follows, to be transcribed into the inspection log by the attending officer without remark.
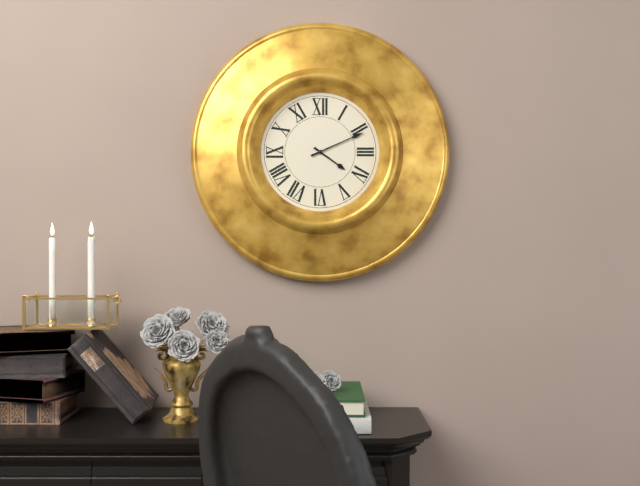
4:11
